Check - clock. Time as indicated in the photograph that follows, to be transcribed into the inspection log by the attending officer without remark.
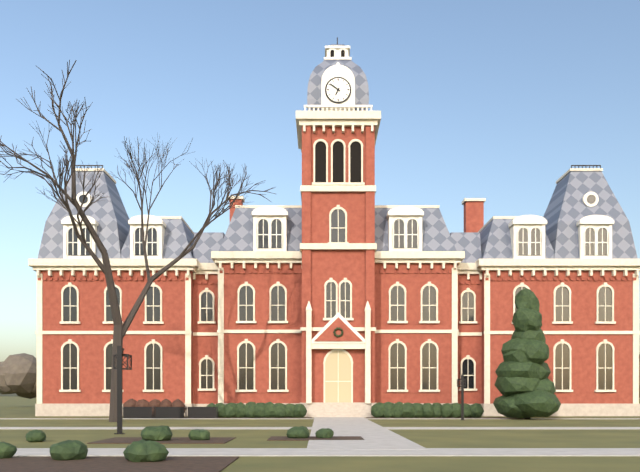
6:51
